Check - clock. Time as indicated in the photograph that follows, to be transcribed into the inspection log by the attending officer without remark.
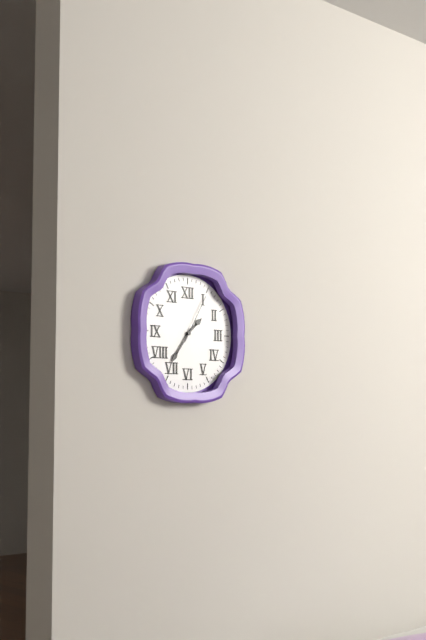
1:36:05
